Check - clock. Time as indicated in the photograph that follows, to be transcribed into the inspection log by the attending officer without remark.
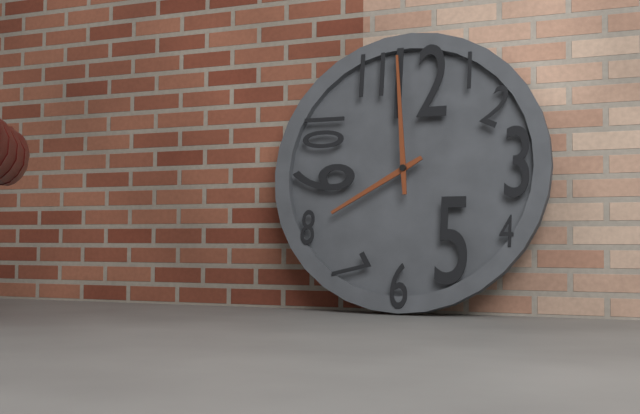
7:59
